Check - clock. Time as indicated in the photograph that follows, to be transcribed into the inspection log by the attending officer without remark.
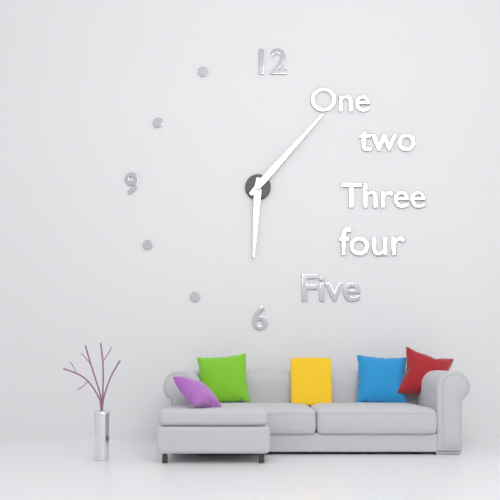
6:07
